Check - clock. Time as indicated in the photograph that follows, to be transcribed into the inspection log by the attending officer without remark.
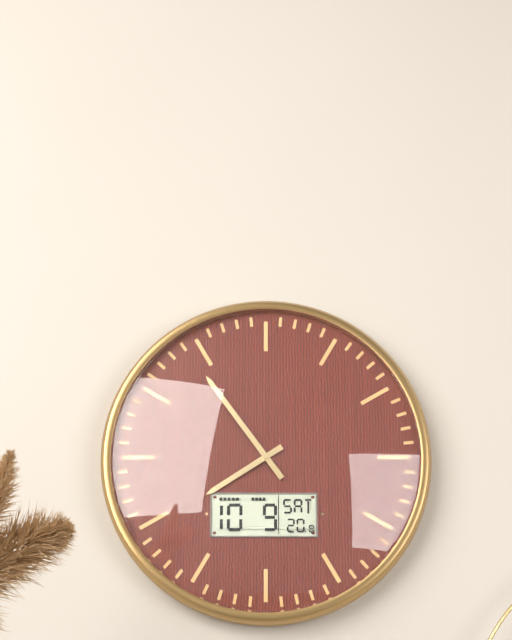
7:54
